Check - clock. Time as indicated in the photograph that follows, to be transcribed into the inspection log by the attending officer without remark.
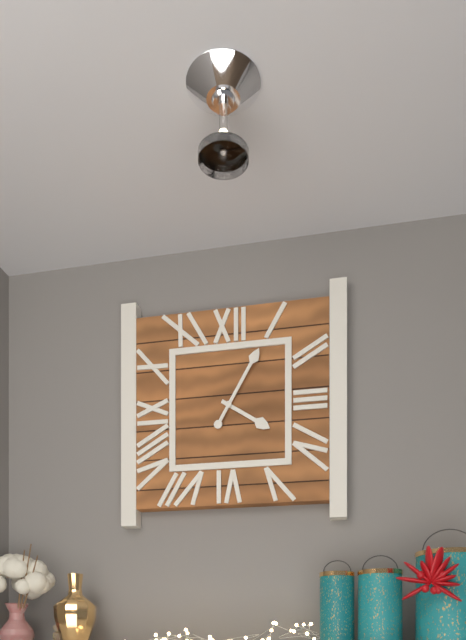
4:05
